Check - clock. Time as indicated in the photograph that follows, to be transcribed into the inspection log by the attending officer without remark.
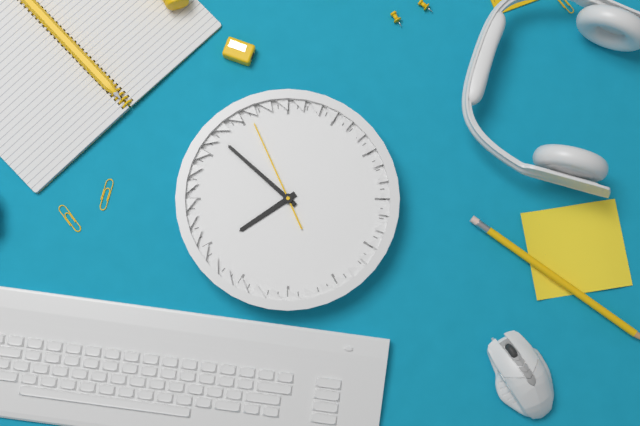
7:52:56
